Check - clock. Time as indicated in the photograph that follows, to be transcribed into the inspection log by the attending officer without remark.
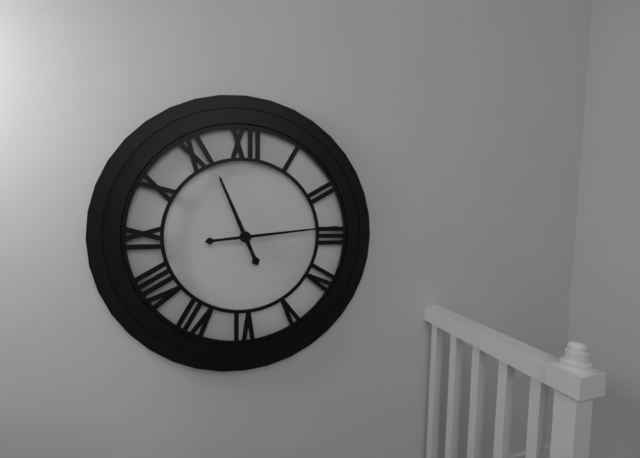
11:14
